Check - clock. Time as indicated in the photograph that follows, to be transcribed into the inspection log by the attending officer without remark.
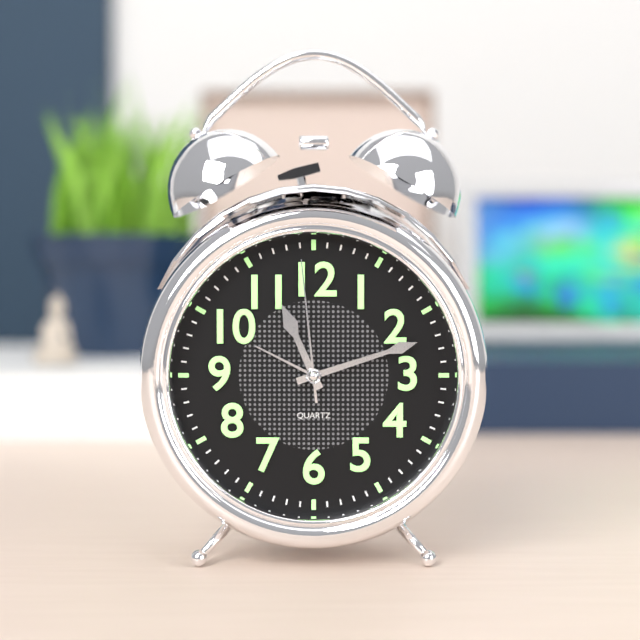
11:12:59
